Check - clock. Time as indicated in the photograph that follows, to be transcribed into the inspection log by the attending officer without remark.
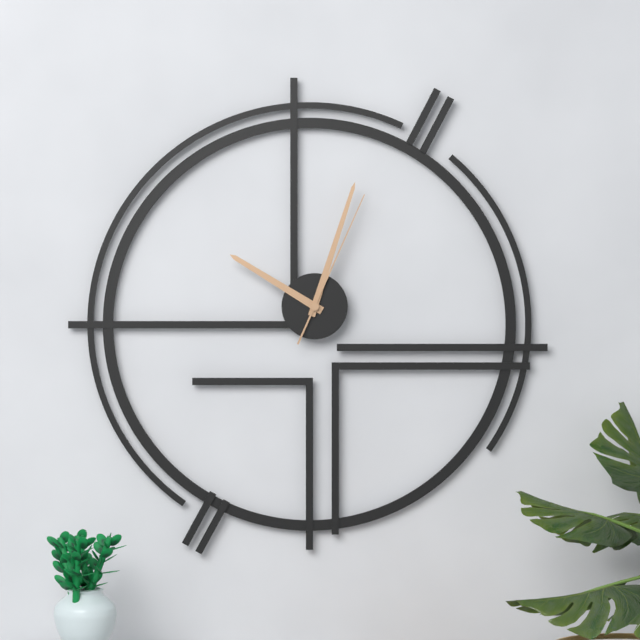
10:03:04
